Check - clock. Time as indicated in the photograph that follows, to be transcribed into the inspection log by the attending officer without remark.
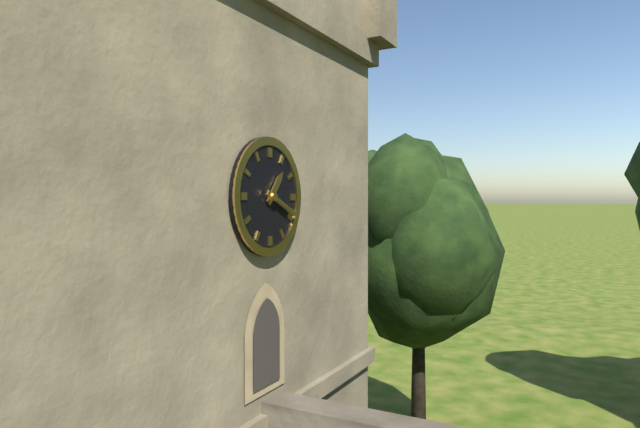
1:19
